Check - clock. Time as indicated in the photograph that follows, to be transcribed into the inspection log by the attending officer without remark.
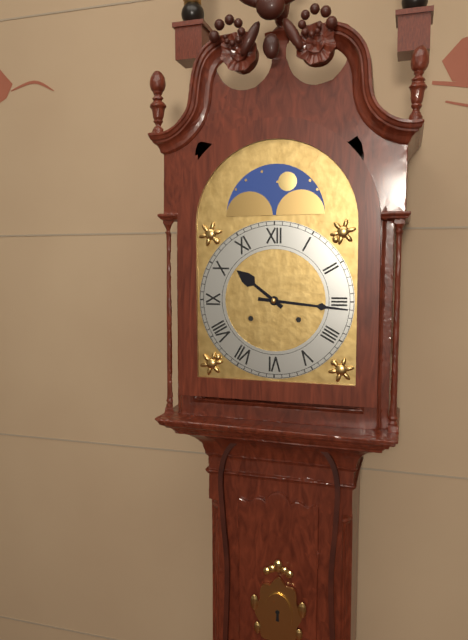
10:16
